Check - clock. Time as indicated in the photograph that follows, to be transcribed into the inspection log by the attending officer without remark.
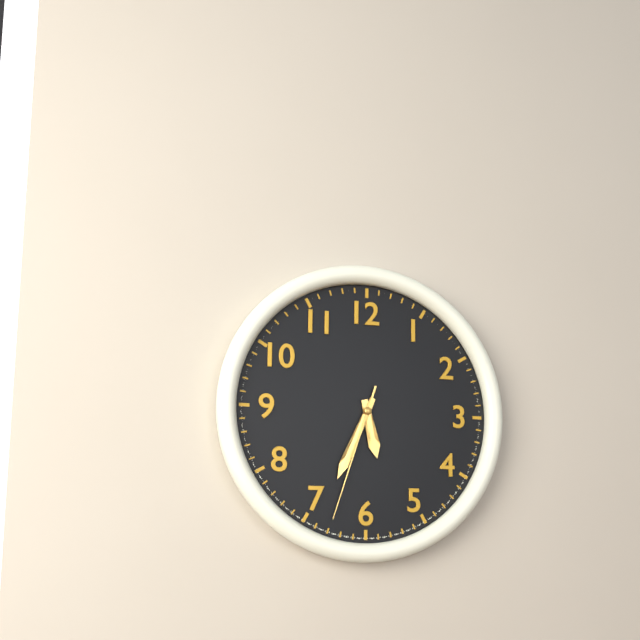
5:34:33
